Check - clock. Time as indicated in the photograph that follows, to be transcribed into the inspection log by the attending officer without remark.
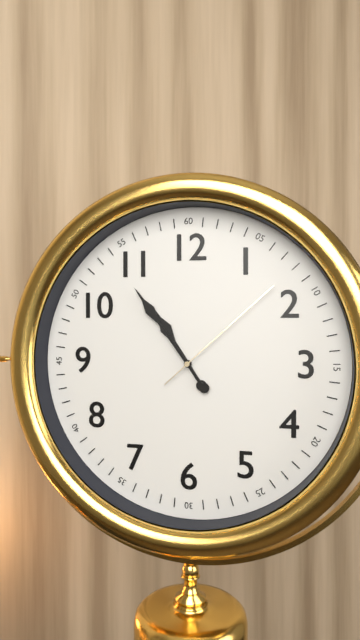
10:54:08
